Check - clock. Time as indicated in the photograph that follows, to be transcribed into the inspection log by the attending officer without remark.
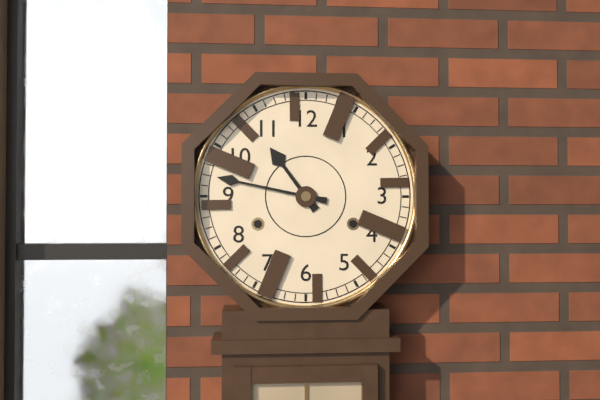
10:47
